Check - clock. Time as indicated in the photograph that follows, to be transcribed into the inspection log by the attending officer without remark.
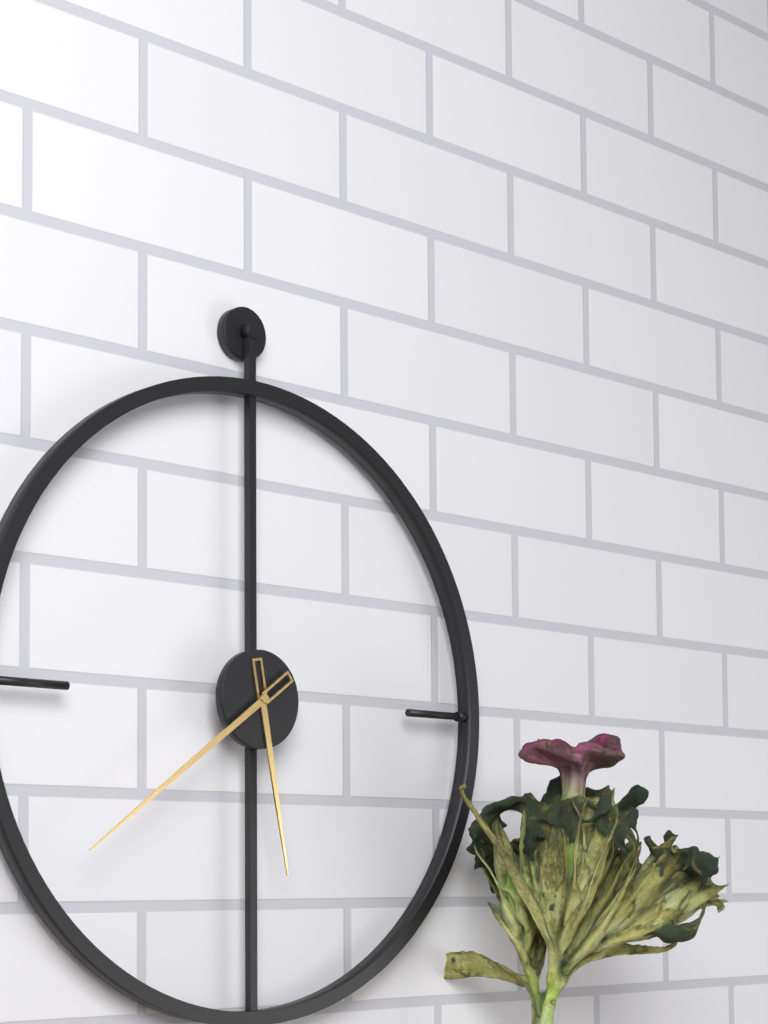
5:39
